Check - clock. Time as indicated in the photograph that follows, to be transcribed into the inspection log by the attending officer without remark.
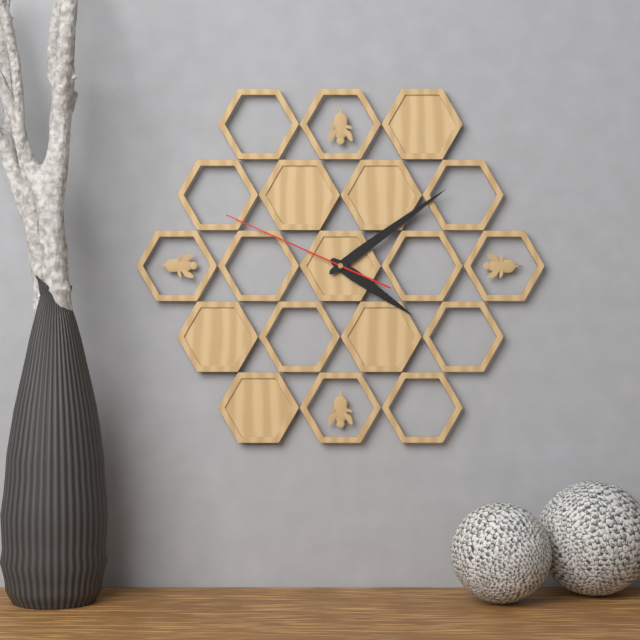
4:09:49
